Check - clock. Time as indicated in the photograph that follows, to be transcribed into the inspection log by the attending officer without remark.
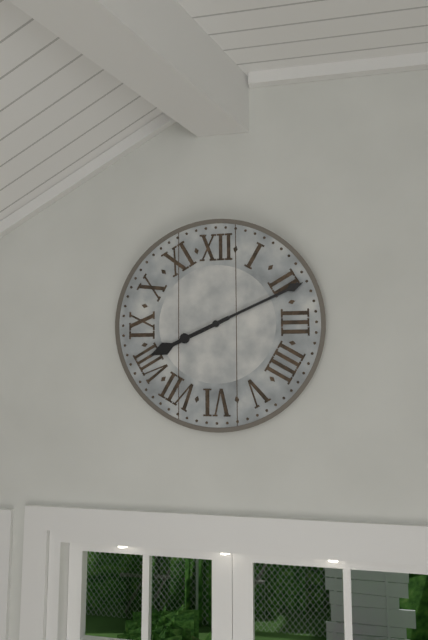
8:11
